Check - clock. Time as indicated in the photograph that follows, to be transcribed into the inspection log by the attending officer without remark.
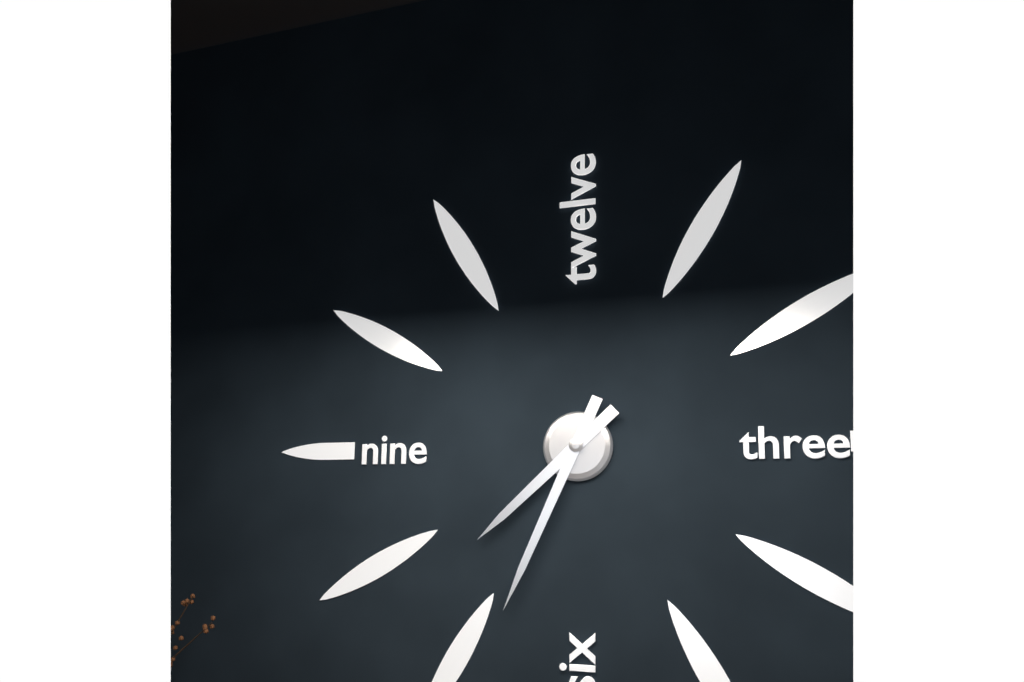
7:34
